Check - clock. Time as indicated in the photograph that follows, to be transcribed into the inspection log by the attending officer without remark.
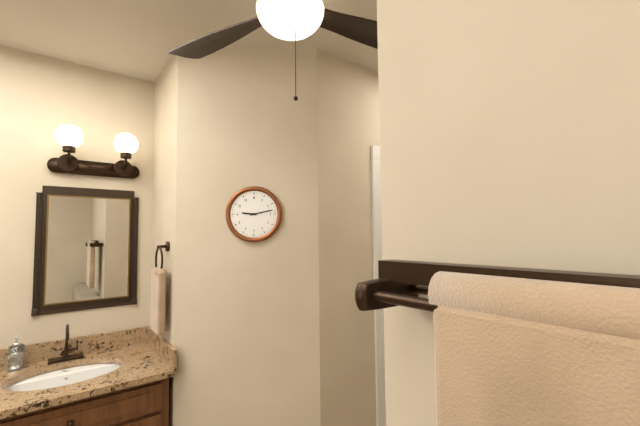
9:13
